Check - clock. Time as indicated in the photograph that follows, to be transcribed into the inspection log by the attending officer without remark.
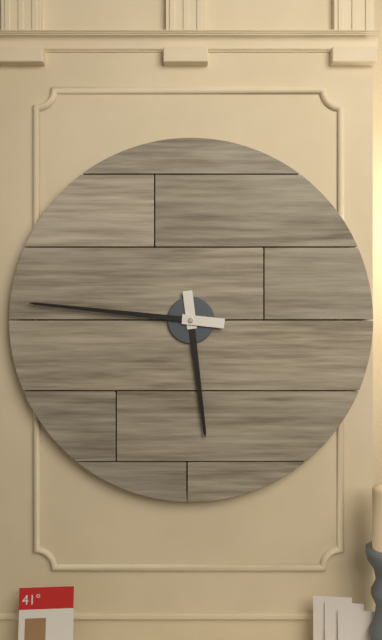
5:46
